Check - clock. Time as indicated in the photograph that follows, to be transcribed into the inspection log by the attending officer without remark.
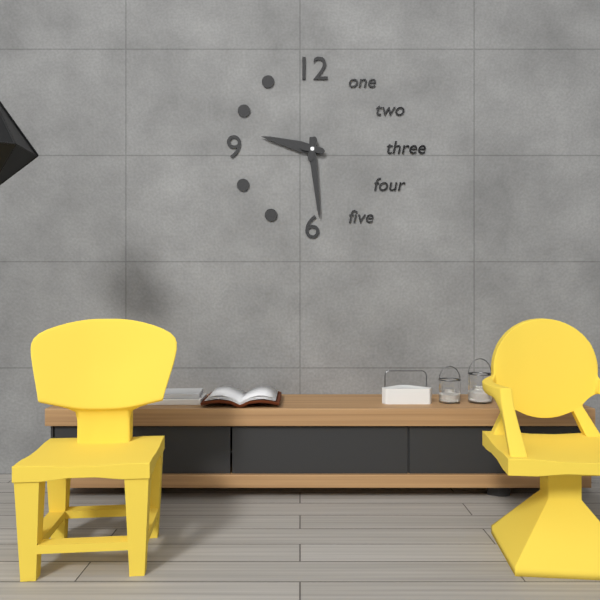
9:29
